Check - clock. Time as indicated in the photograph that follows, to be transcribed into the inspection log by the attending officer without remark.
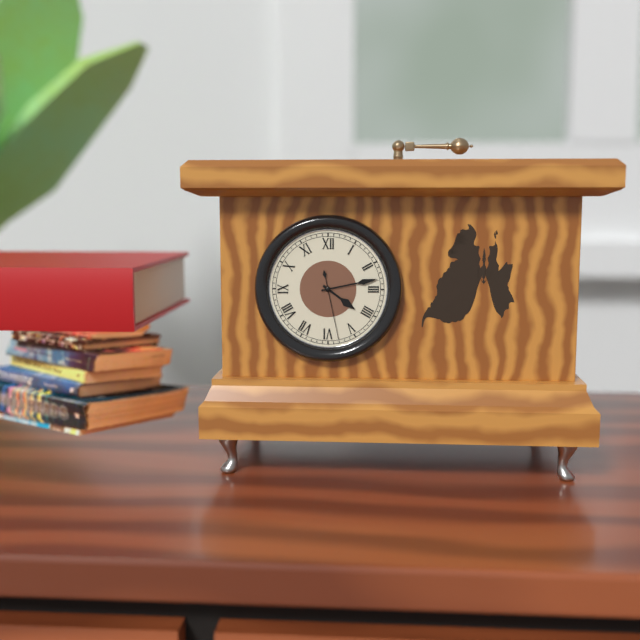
4:13:28
